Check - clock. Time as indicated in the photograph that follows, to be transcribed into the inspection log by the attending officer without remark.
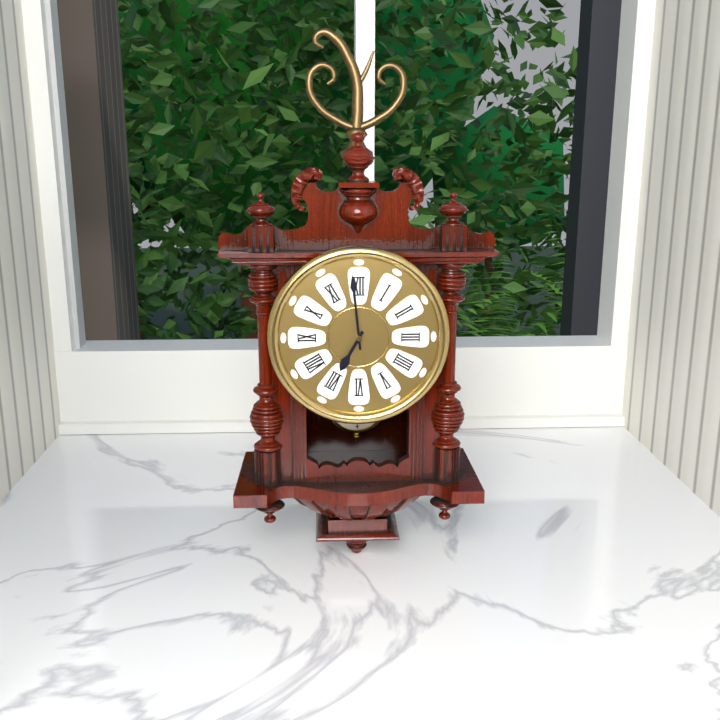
6:59
